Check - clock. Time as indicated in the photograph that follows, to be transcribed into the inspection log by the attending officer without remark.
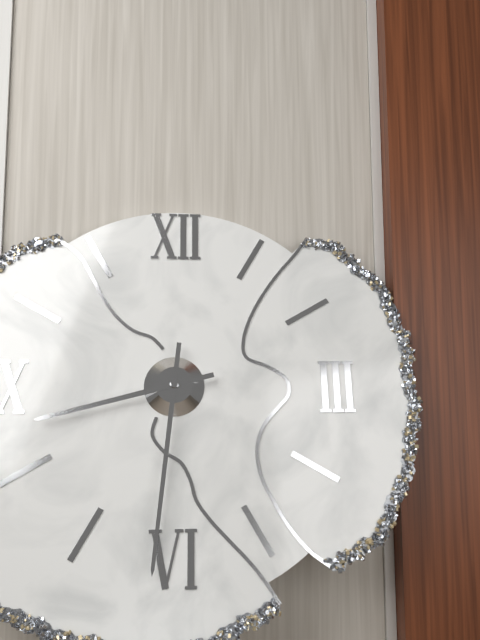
8:31
